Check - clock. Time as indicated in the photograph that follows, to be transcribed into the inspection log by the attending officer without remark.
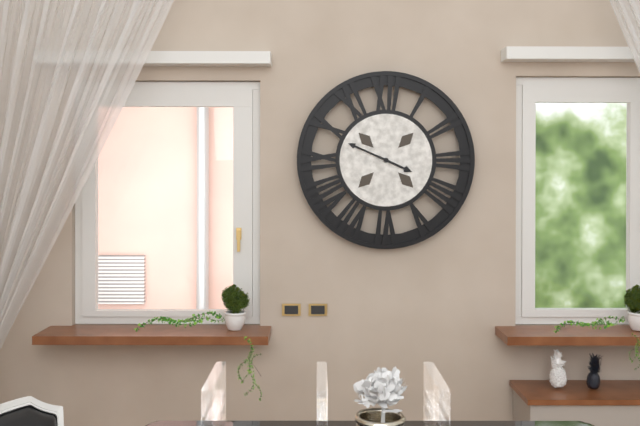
3:49
